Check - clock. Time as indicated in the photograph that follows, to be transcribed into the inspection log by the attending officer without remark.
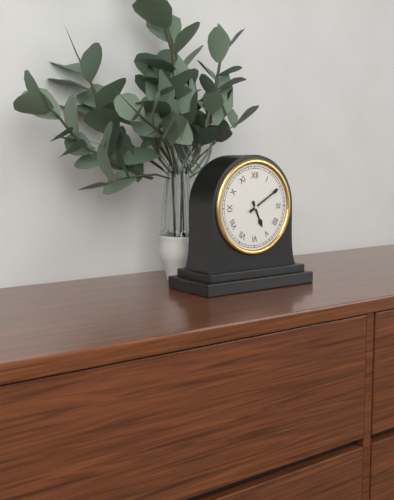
5:10
